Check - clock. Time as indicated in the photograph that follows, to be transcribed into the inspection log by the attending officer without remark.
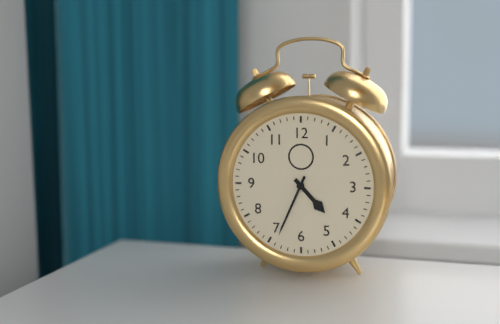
4:34
